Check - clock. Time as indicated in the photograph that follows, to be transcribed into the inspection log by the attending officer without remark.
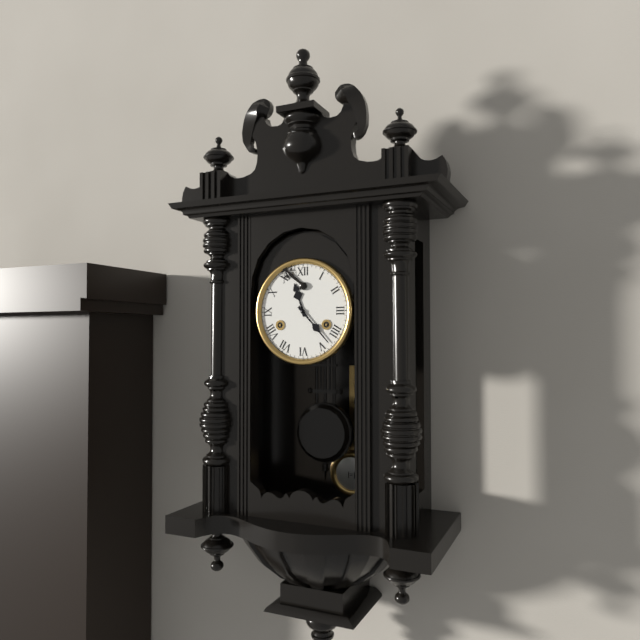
11:23
